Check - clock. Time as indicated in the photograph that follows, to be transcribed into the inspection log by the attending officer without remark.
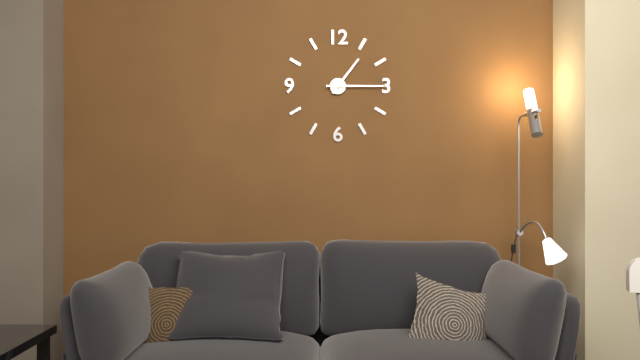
1:15
